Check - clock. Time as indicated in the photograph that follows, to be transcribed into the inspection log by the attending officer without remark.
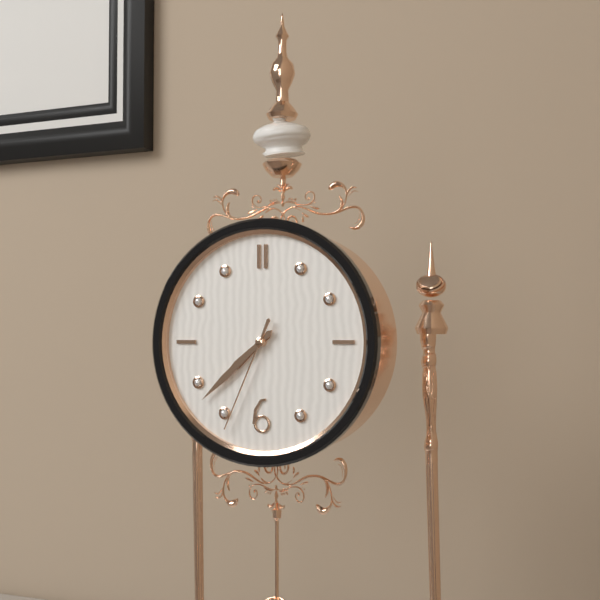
7:38:34
